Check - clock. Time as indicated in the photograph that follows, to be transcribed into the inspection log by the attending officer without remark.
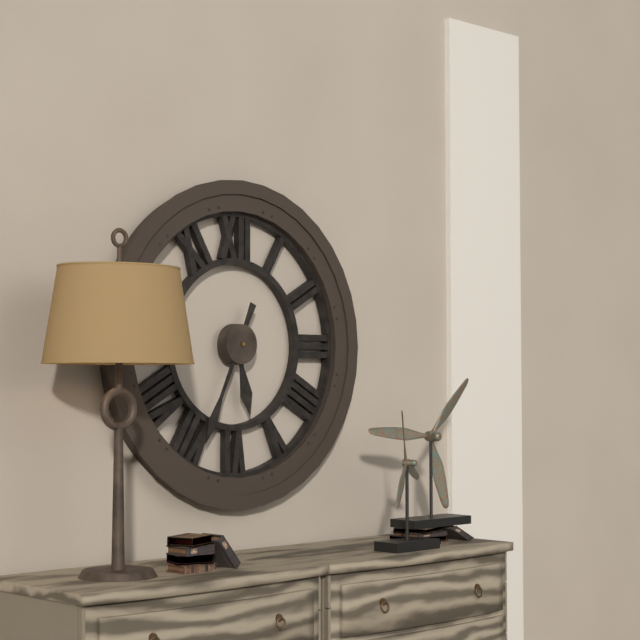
5:34
